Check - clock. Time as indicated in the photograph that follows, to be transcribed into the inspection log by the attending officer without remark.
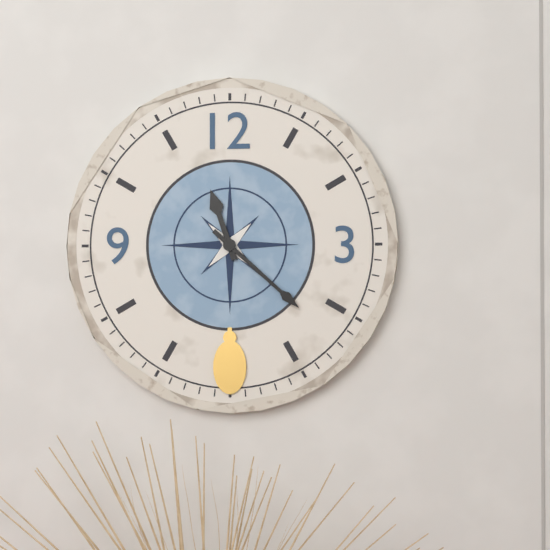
11:22
